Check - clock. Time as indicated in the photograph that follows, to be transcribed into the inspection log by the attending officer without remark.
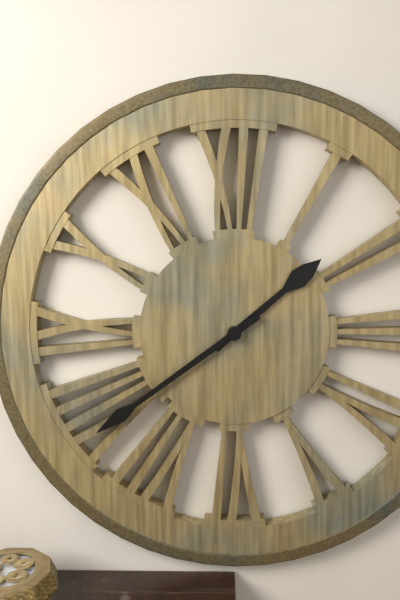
1:39
